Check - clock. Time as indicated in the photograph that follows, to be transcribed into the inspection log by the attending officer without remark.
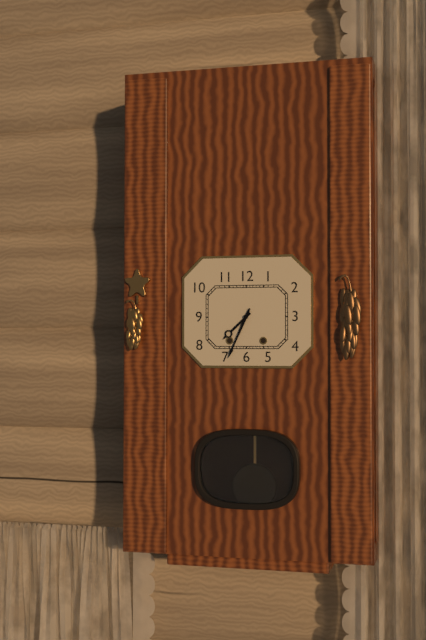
7:34
